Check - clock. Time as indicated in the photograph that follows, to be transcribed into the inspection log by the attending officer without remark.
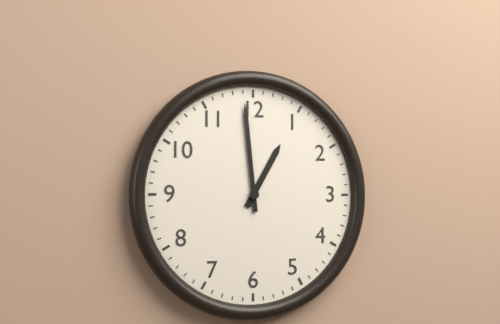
12:59
